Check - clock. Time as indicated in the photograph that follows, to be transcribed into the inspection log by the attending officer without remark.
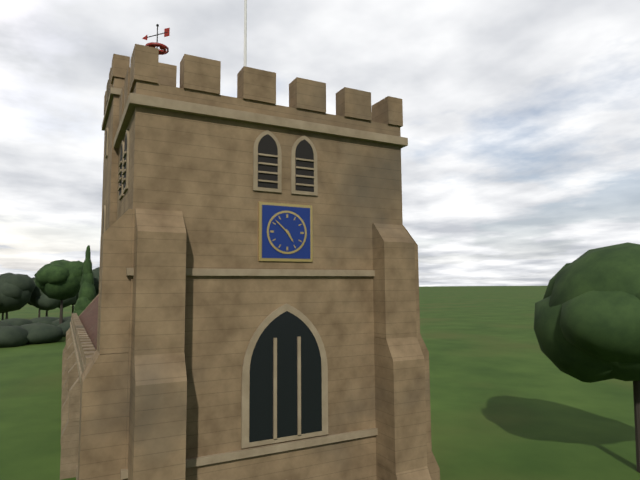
4:52
